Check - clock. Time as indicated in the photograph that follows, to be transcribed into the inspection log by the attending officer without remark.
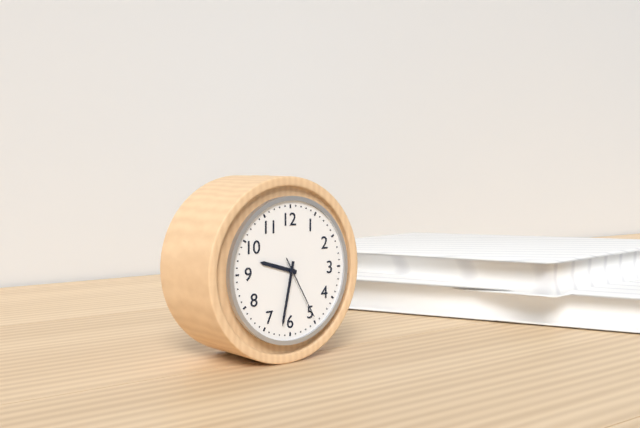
9:32:25
